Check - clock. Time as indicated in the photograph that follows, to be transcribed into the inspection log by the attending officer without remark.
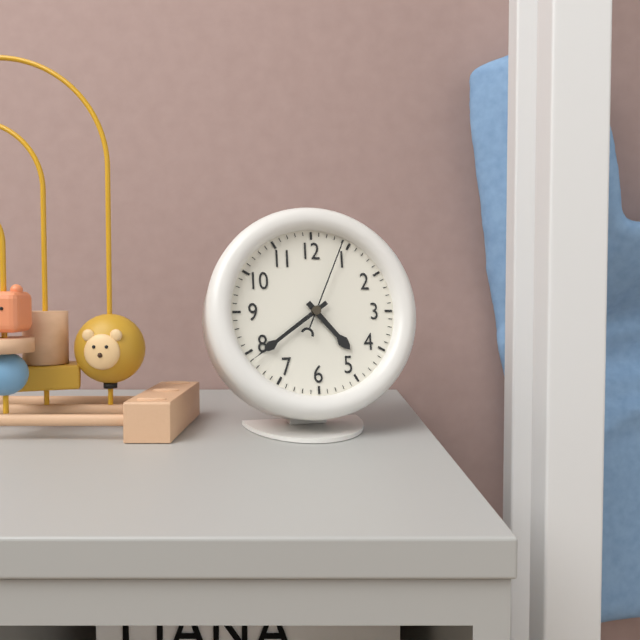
4:39:04
